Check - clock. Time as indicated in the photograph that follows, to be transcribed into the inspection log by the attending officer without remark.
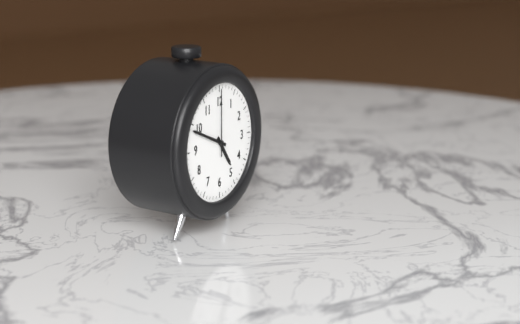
4:49:00
